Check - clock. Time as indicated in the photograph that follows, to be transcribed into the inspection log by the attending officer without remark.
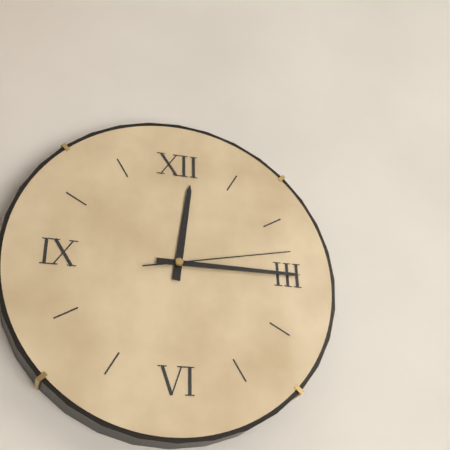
12:15:13
